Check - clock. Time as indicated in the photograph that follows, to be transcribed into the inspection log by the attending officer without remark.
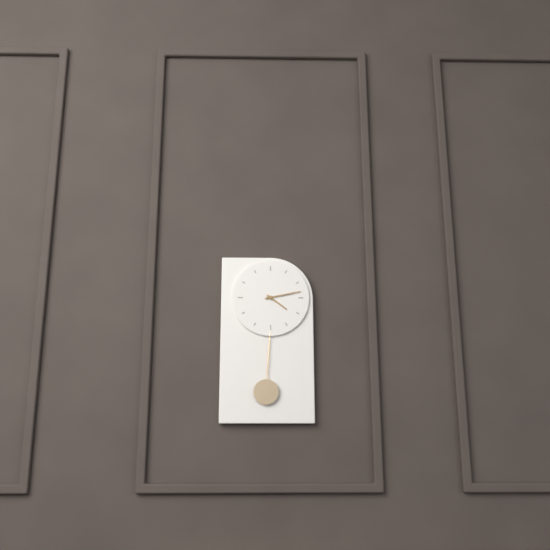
4:13
